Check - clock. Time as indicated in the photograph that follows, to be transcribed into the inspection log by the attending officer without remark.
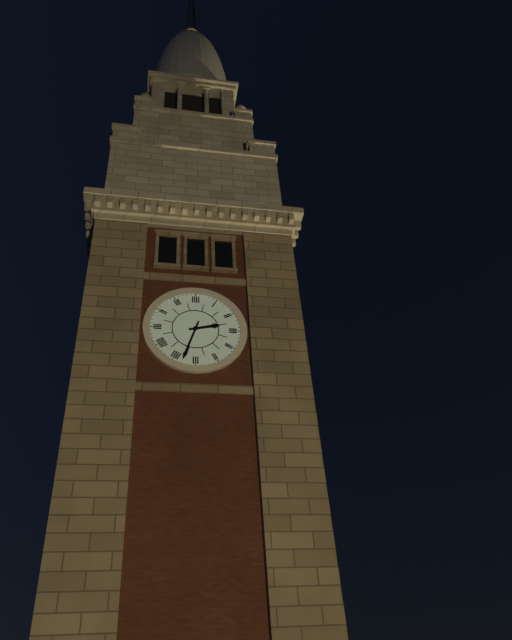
2:33
